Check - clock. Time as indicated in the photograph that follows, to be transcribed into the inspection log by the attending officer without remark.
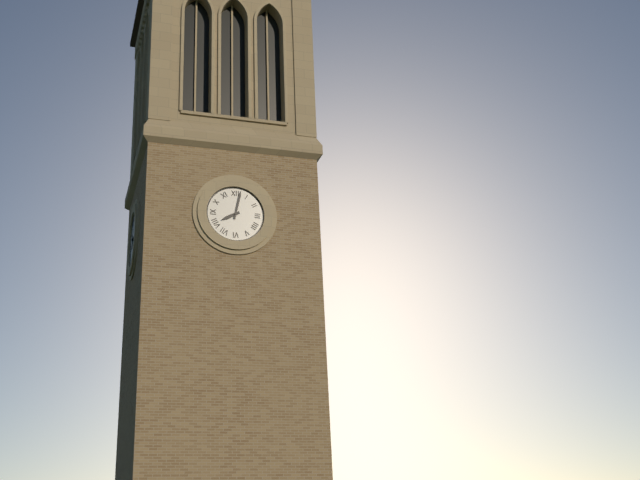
8:02
